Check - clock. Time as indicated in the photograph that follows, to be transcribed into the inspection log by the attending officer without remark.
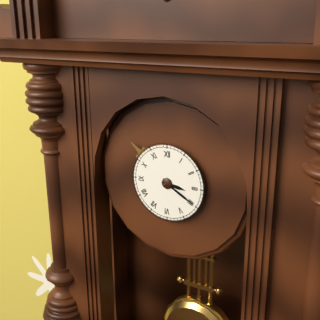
3:20
